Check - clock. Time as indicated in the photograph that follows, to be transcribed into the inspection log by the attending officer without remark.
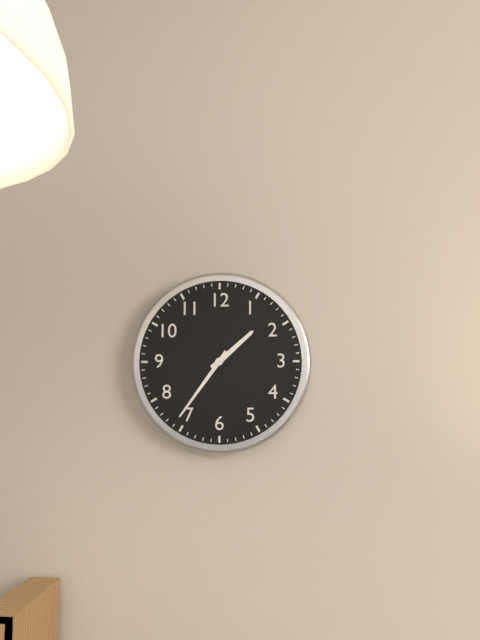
1:36
